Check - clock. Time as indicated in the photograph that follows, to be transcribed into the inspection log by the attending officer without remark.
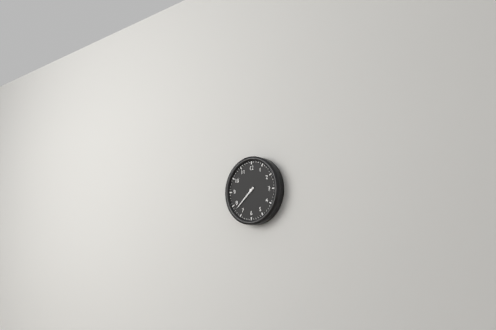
7:38
